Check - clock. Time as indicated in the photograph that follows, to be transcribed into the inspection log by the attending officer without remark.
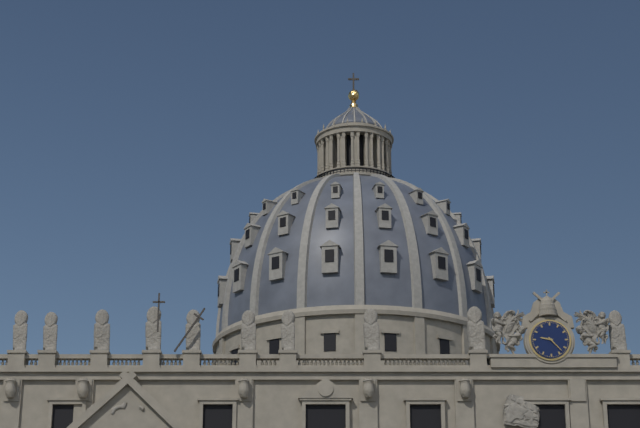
9:23
